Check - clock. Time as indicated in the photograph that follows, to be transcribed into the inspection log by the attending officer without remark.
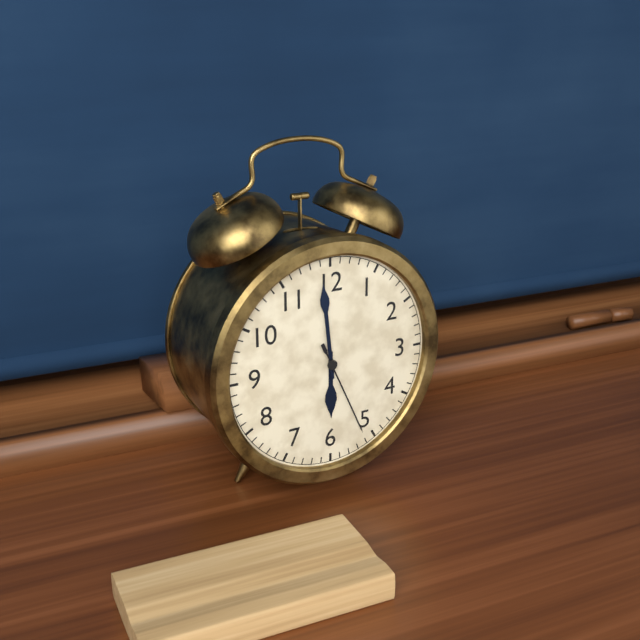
5:59:26
